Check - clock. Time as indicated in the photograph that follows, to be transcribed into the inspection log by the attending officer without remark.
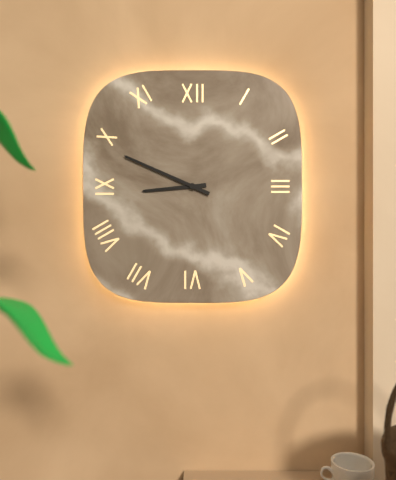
8:49
